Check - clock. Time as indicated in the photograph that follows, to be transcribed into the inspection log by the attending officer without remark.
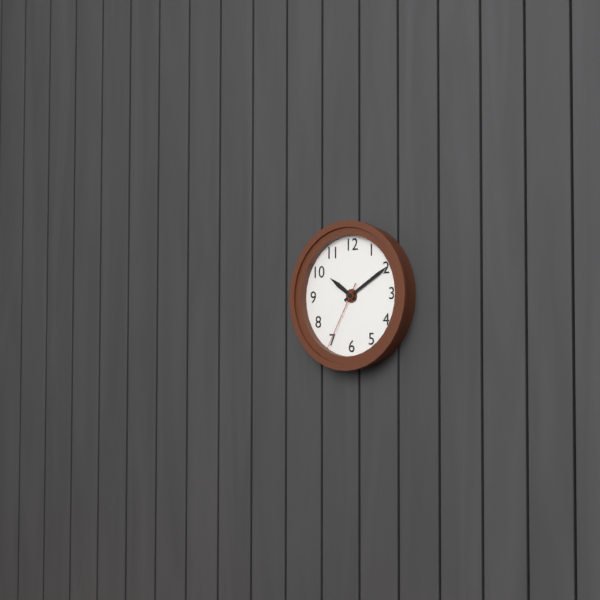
10:10:35
